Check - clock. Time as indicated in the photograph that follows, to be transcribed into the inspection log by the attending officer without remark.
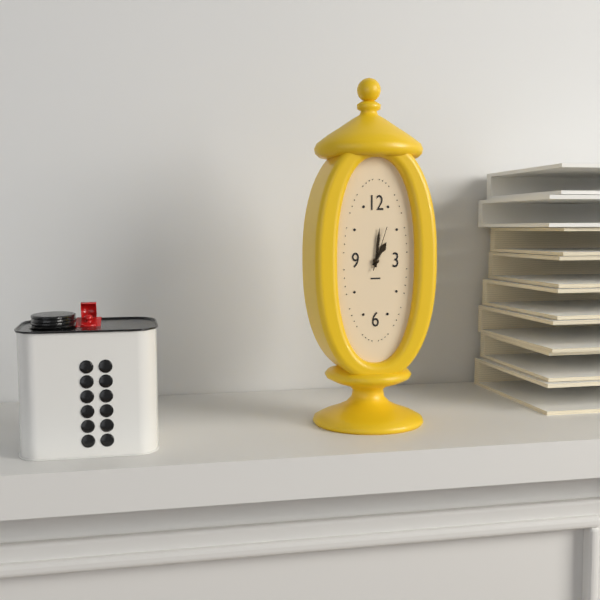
1:01
